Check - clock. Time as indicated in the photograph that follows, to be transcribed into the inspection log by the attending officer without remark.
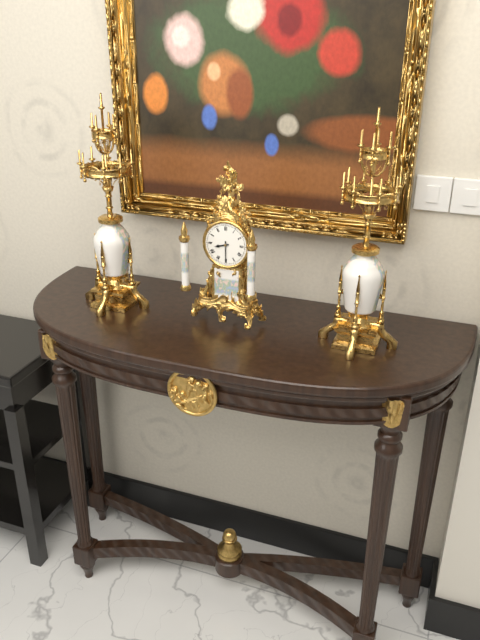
8:30
